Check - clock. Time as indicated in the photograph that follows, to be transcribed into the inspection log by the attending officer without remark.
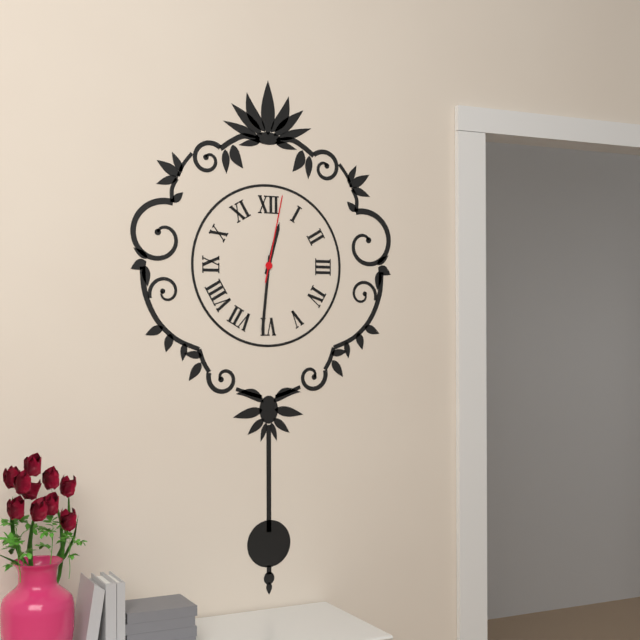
12:31:02
